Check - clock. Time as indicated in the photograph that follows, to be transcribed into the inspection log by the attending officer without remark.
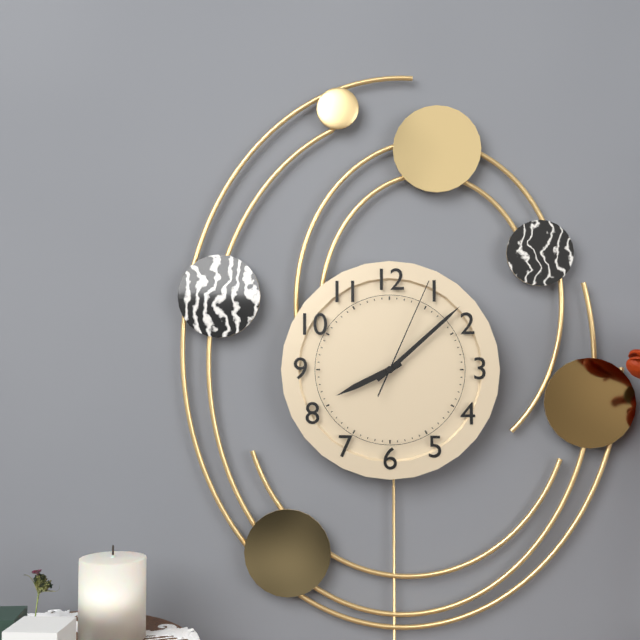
8:08:04
